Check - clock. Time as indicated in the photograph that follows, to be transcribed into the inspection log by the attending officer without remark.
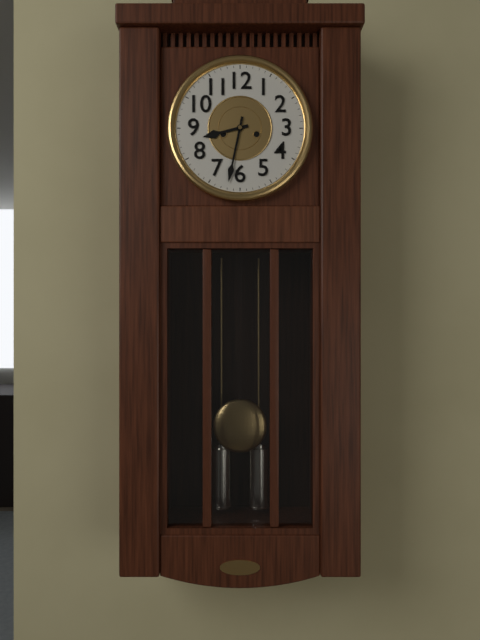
8:32
